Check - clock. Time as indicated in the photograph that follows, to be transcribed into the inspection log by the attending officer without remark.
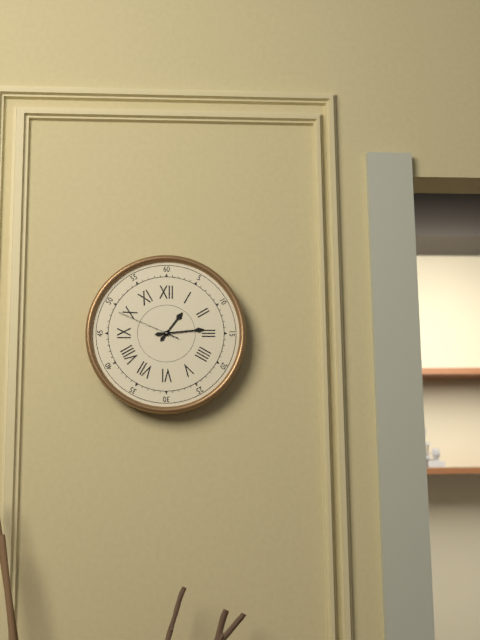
1:14:49
